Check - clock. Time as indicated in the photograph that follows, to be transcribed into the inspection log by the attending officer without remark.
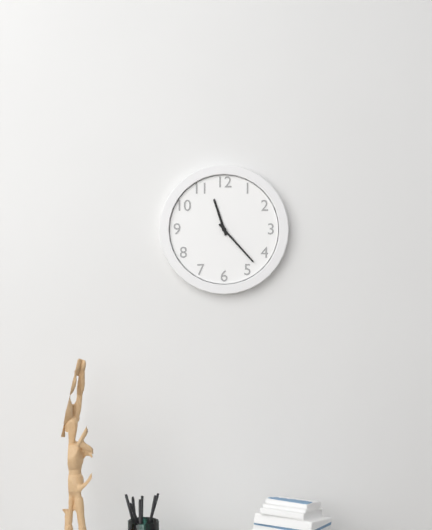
11:23
